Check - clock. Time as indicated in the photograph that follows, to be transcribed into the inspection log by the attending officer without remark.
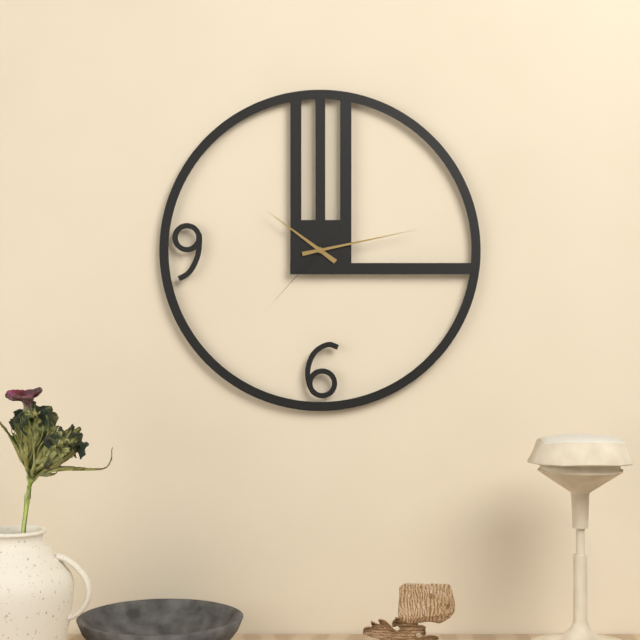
10:13:37
